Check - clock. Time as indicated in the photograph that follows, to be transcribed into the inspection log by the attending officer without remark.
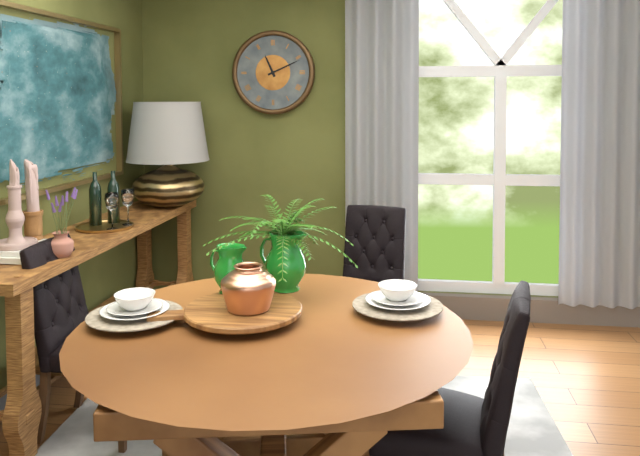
11:11
